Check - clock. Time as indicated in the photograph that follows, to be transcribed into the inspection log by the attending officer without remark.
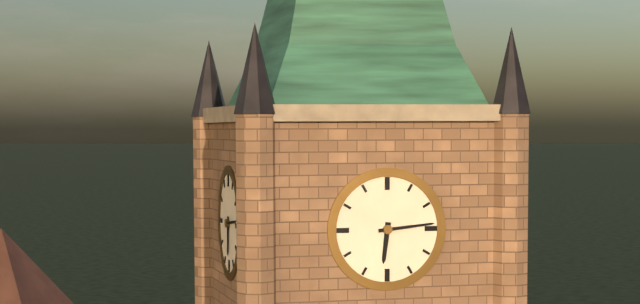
6:14
